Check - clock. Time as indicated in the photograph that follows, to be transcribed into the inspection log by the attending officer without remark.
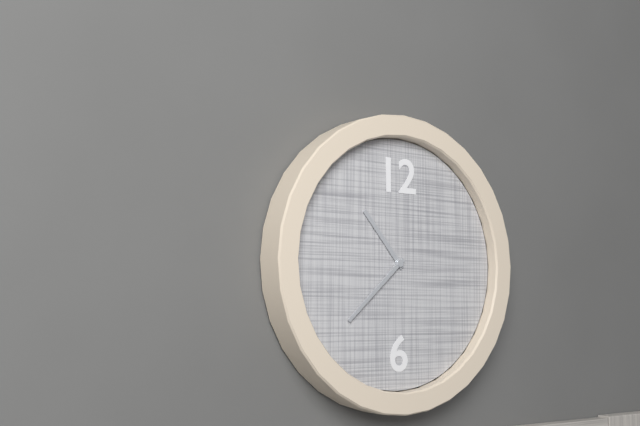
10:38
